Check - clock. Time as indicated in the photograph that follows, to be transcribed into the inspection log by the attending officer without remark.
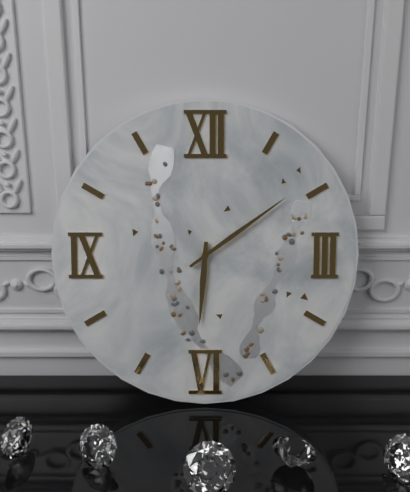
6:09
